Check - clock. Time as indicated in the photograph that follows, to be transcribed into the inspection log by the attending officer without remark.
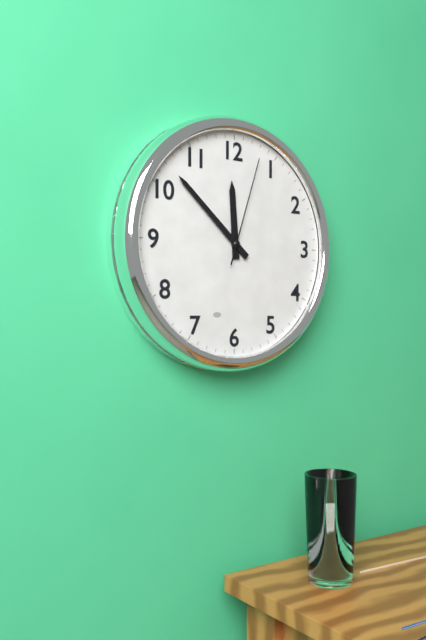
11:52:03
